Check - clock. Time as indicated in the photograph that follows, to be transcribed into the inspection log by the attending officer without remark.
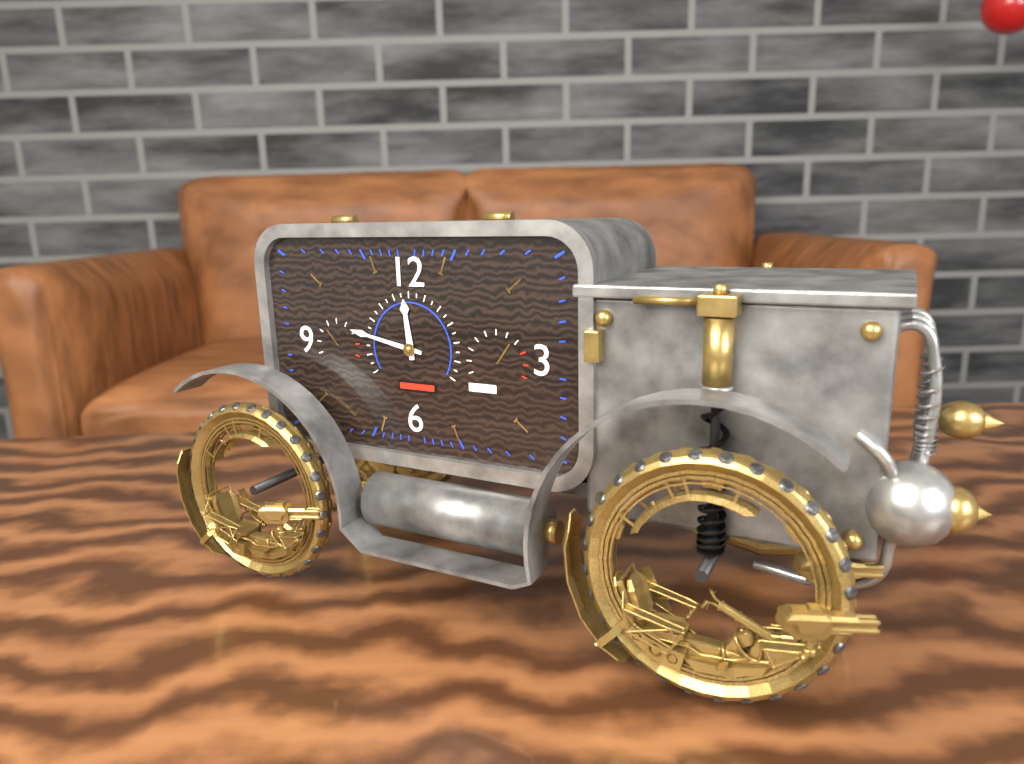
11:47
